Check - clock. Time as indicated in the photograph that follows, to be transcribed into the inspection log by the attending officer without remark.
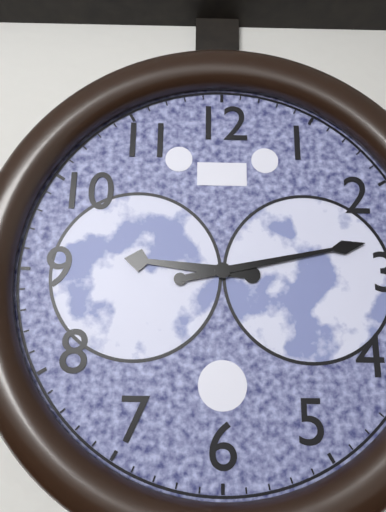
9:13
